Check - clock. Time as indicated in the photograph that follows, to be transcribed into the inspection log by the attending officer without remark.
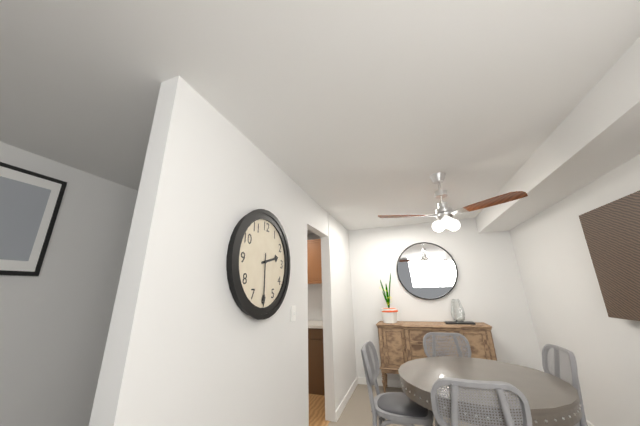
2:30
